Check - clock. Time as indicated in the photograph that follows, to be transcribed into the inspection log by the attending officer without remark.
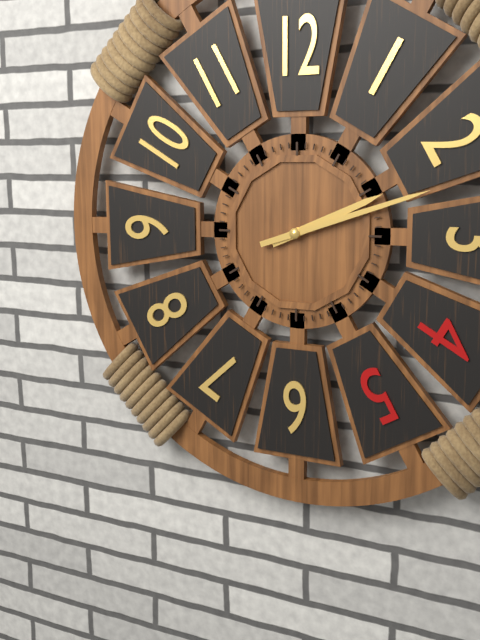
2:12
